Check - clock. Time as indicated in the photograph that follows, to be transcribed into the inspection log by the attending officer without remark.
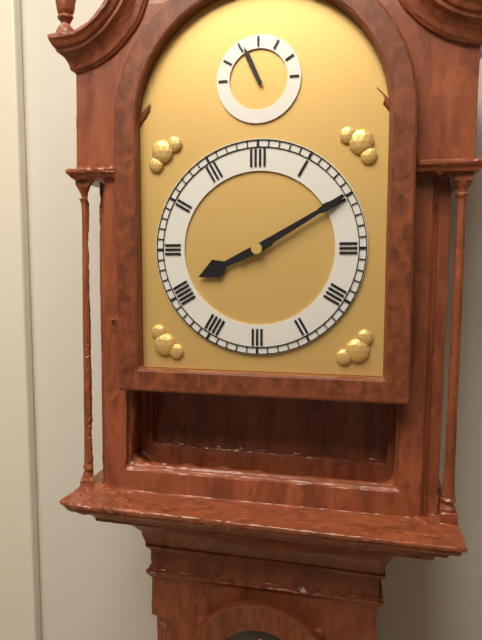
8:10
